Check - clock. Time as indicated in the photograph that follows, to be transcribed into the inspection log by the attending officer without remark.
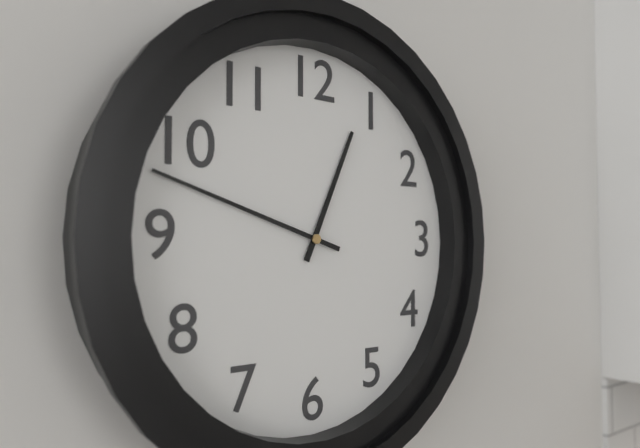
12:48
